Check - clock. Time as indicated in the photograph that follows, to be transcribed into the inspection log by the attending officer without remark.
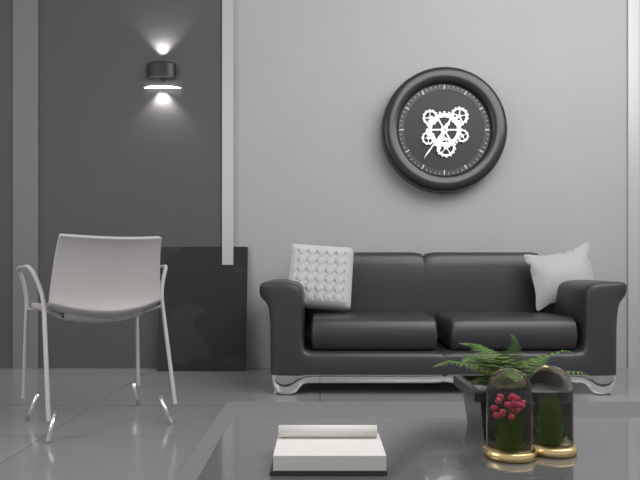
6:36
